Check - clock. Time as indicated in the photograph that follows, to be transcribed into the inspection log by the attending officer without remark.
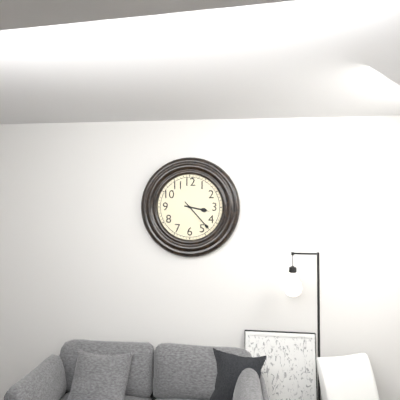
3:23
